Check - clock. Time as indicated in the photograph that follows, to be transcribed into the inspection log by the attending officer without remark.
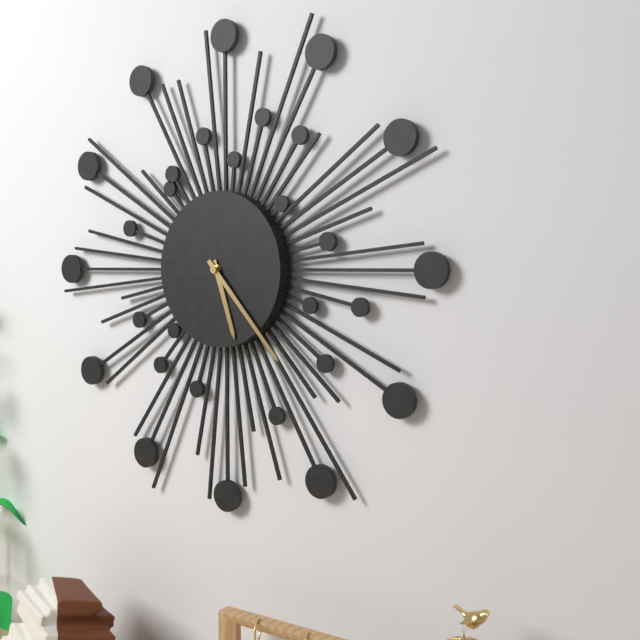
5:23
